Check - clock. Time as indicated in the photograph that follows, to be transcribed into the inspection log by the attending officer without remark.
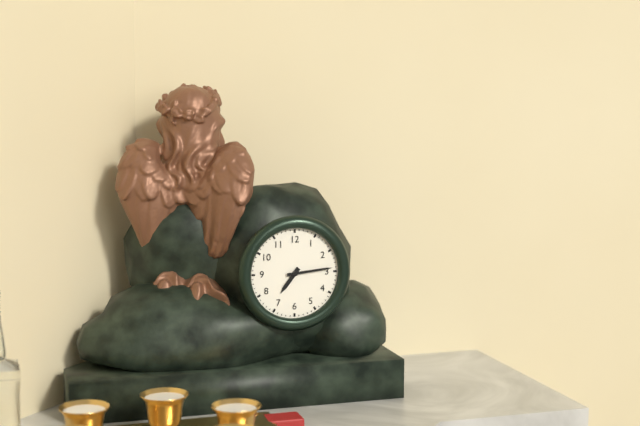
7:14
